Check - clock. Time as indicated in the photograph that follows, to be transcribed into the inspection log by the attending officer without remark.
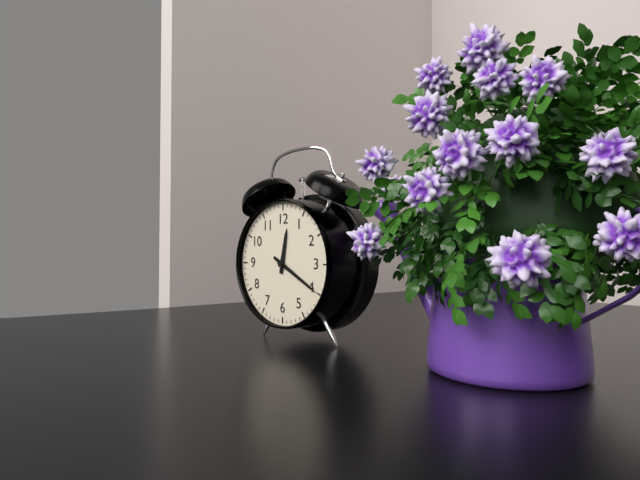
12:20
